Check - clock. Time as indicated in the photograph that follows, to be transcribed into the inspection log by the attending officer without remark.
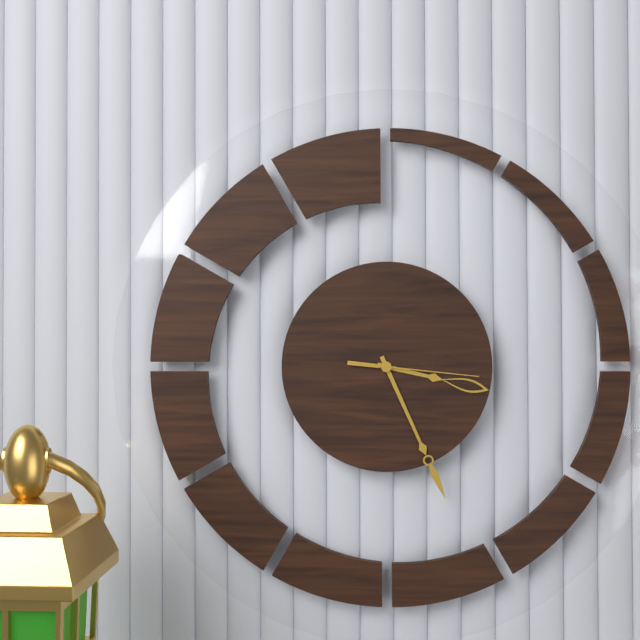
3:26:16
